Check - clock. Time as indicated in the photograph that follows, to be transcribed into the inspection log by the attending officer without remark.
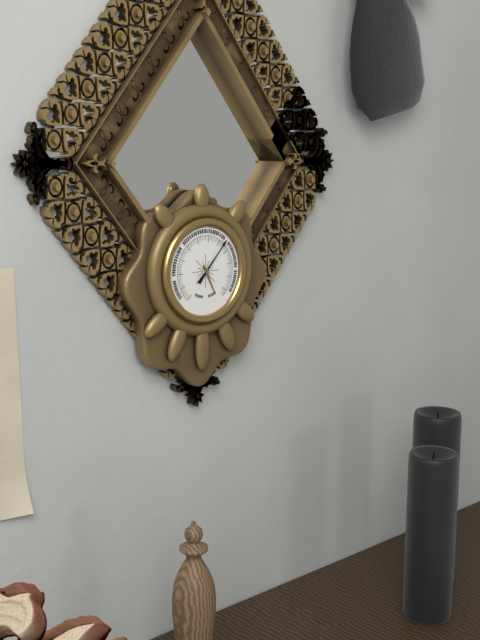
5:07
